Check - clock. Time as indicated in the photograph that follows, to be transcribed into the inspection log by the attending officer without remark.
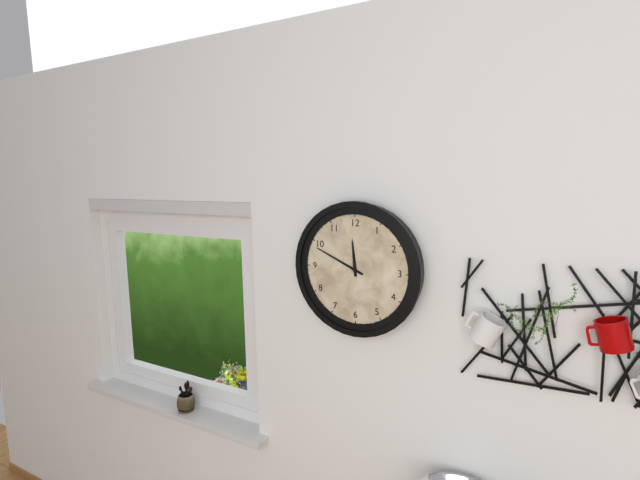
11:49
